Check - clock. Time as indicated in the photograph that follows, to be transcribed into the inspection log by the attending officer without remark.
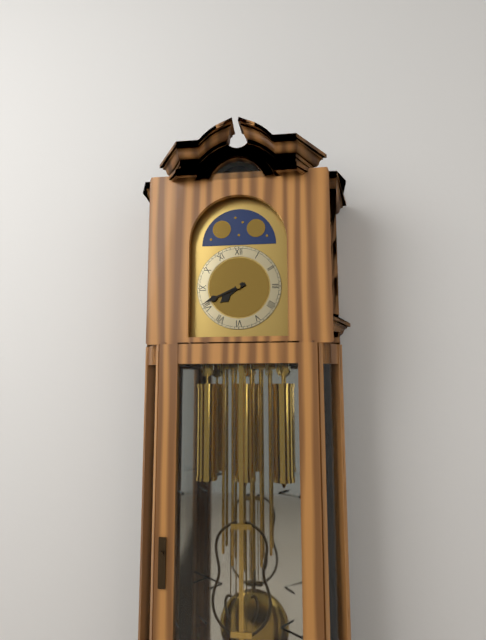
7:41
